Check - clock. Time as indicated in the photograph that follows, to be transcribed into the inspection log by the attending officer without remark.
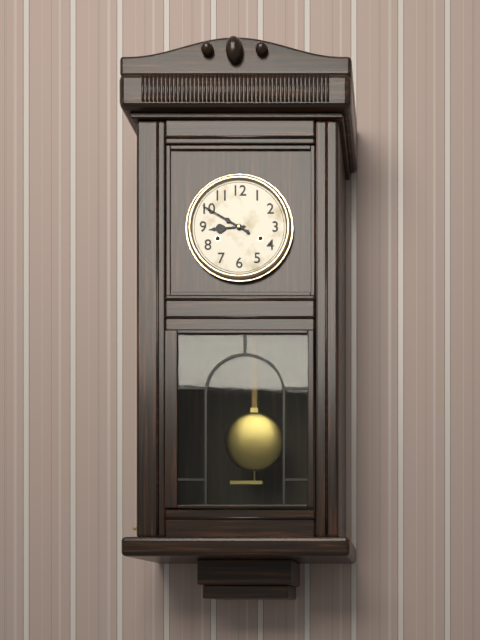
8:50
